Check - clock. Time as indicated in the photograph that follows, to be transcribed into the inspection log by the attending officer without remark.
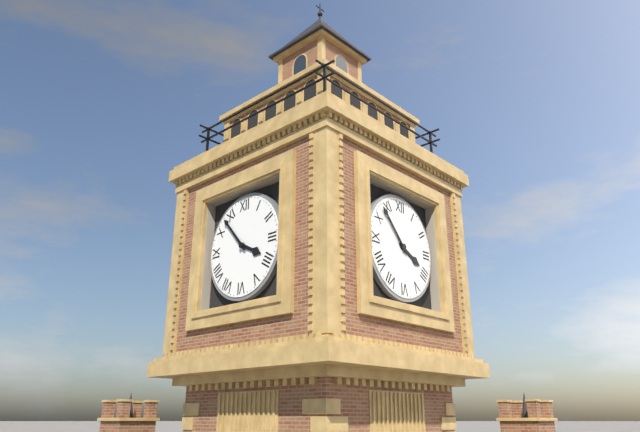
3:53
